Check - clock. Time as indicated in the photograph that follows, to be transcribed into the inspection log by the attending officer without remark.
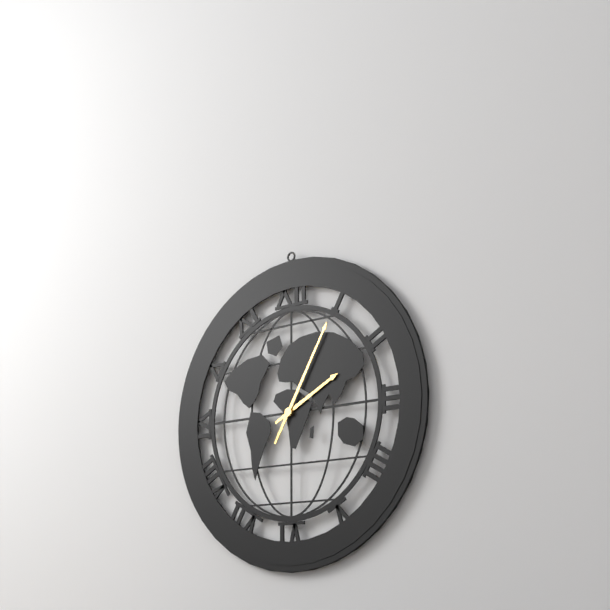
2:05
